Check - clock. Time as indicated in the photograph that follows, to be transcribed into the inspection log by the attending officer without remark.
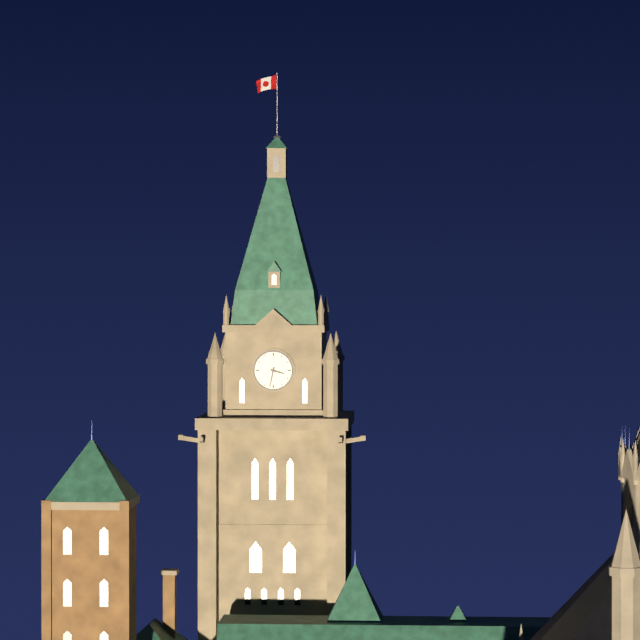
3:32
